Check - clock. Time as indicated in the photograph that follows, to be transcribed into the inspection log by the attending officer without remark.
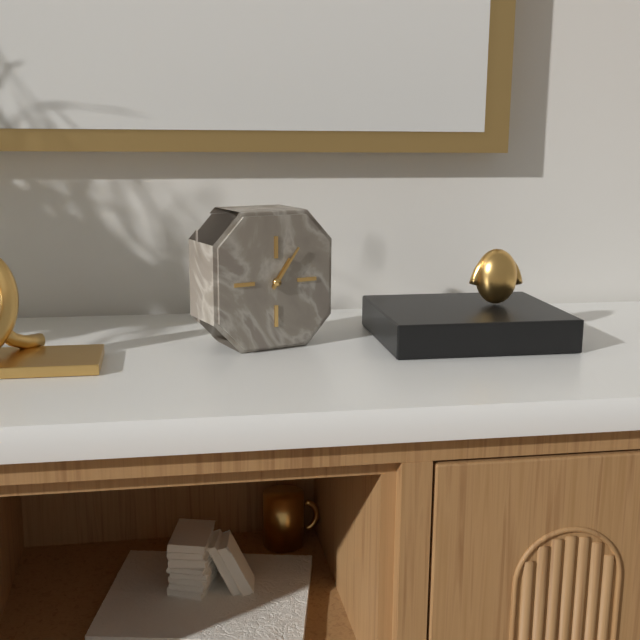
1:06
